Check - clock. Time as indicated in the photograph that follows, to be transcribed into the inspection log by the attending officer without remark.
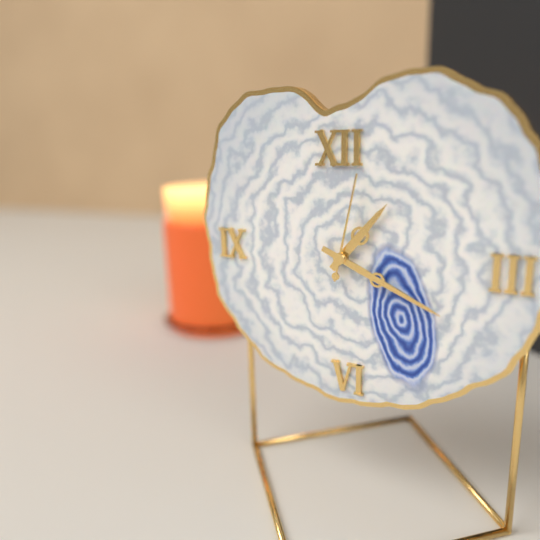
1:19:02
